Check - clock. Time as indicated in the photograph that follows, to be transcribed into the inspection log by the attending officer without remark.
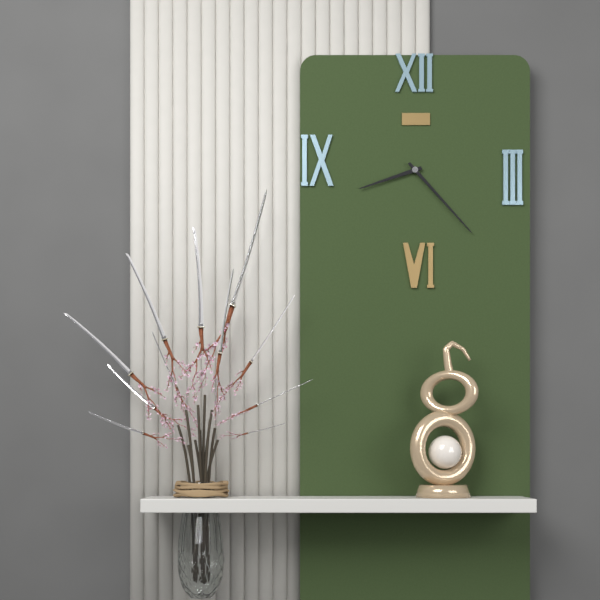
8:23
